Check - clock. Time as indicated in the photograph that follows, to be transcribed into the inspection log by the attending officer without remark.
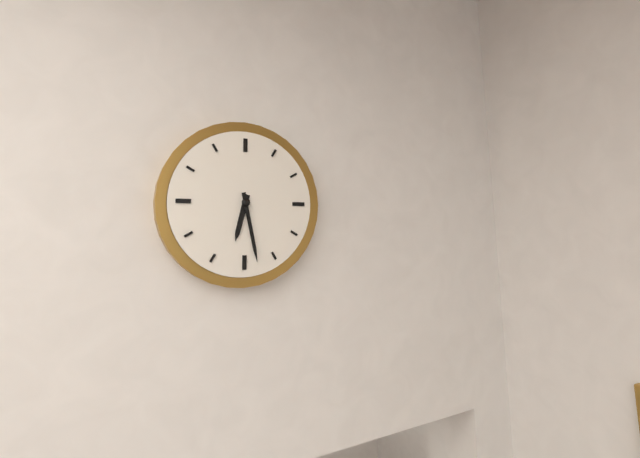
6:28
